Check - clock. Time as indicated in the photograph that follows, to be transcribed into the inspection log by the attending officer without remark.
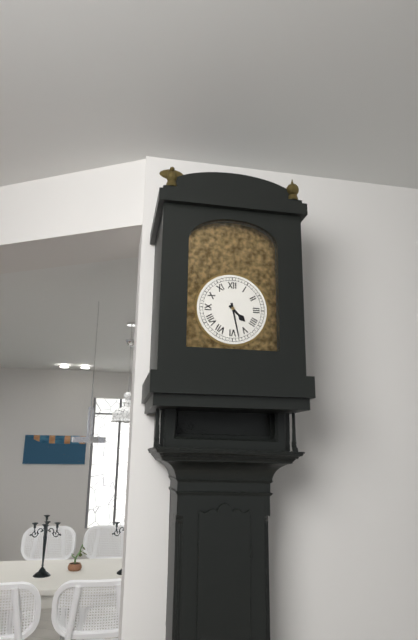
4:28
